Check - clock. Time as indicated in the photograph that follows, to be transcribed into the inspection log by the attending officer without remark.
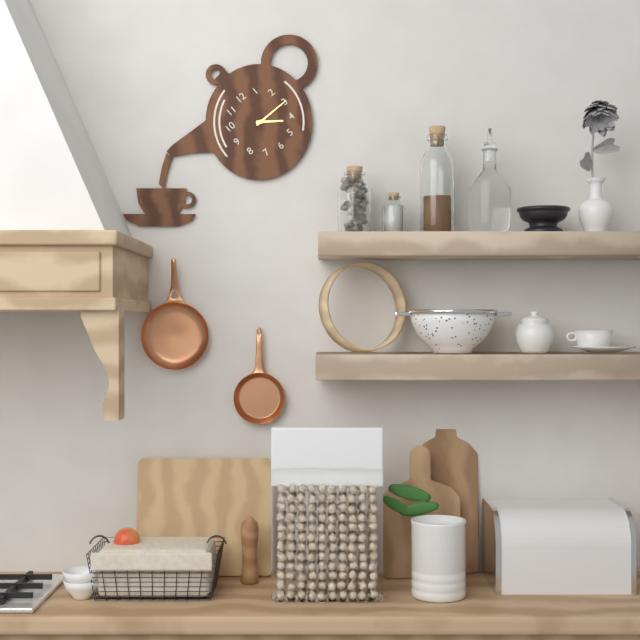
4:15
